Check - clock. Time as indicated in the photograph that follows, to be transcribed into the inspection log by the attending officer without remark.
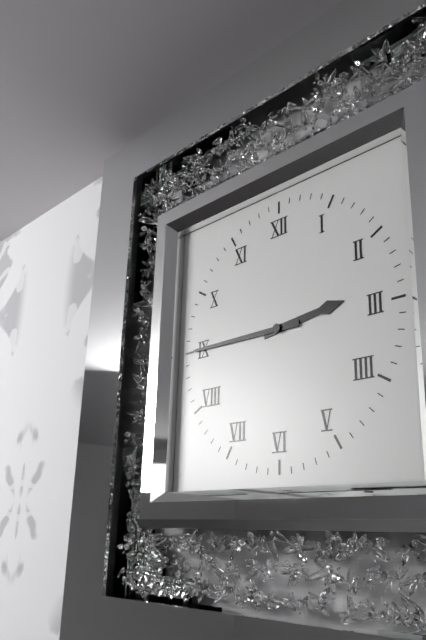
2:45
